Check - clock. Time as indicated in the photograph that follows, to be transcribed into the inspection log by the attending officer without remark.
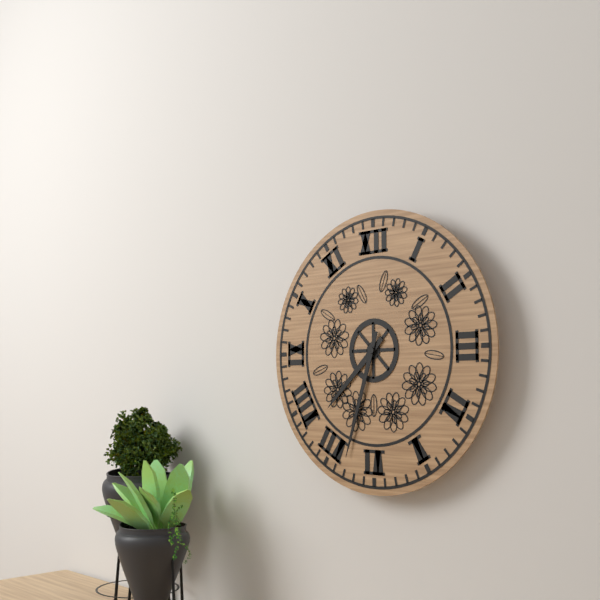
7:33
